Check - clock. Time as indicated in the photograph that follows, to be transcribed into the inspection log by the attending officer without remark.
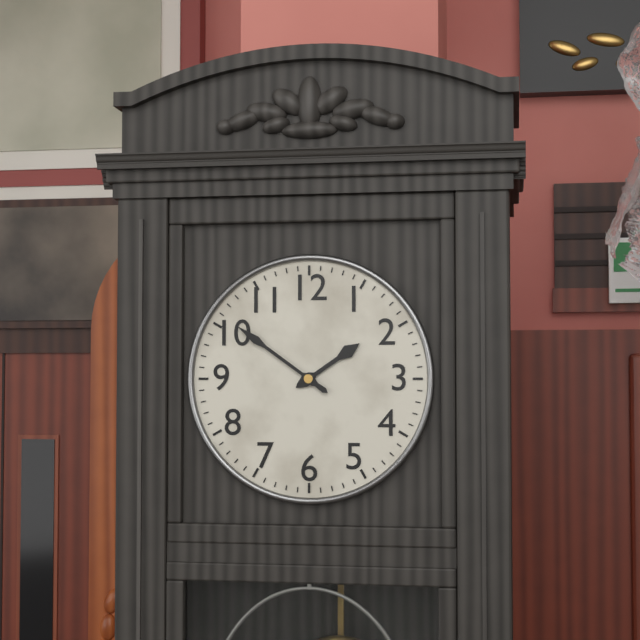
1:51
